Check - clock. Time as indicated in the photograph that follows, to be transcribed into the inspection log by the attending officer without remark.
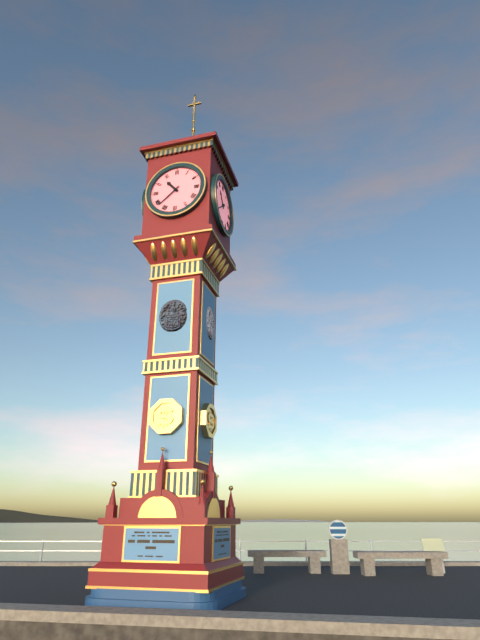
10:38
